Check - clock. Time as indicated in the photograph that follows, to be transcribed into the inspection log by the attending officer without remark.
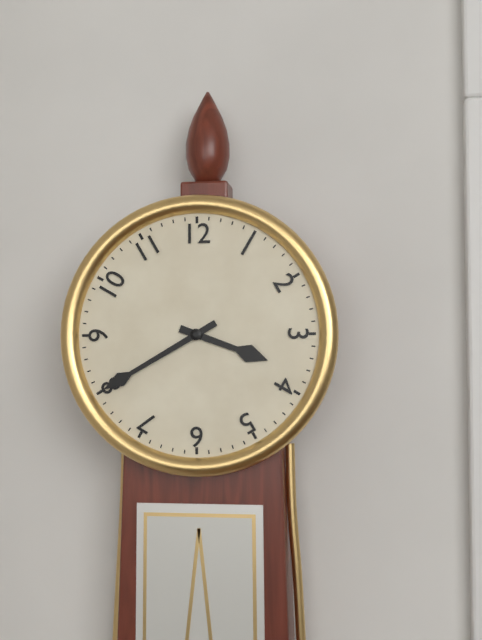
3:40
